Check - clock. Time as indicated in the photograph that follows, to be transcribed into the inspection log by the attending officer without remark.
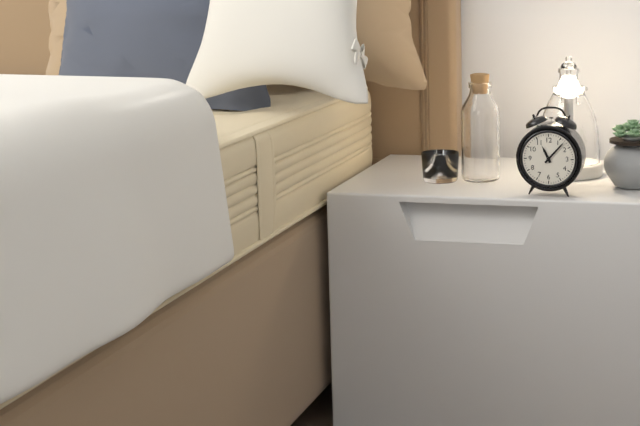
11:07
